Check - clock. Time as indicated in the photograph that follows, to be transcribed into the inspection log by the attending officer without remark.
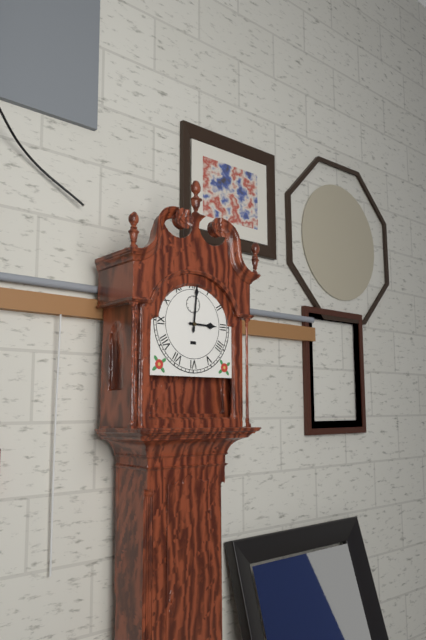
3:01
